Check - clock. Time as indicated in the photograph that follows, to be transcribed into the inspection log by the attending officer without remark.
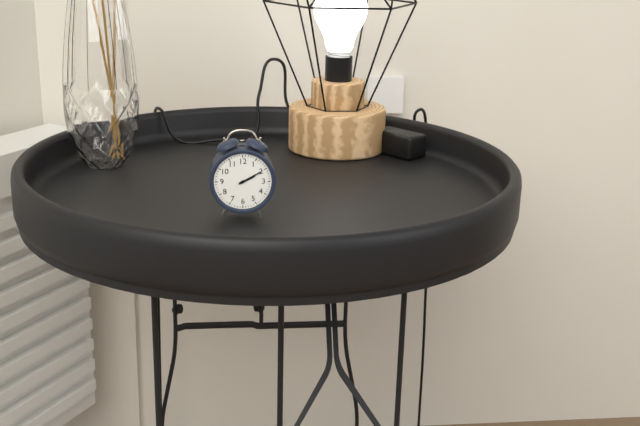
2:10
